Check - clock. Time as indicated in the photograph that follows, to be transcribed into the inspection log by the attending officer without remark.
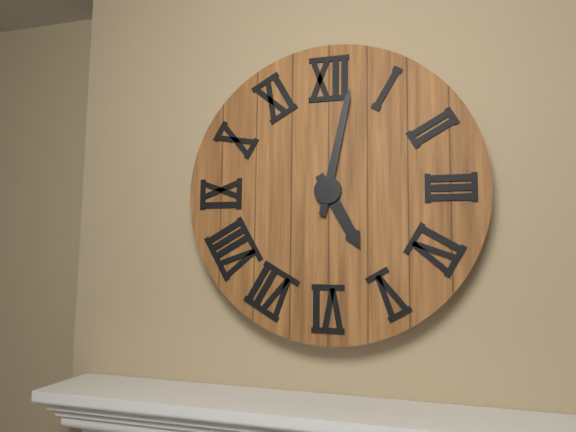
5:02
